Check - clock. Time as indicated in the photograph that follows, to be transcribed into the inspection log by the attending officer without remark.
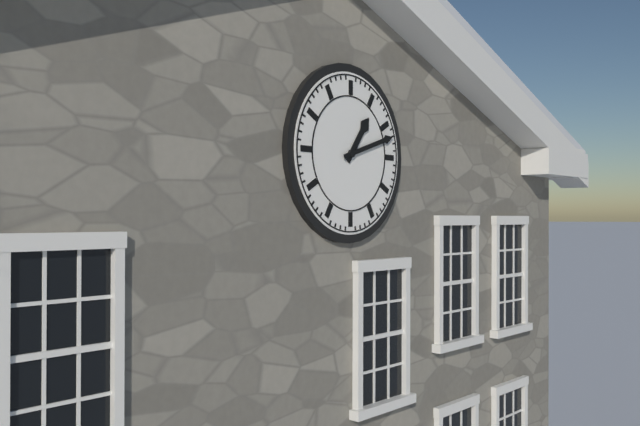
1:12
